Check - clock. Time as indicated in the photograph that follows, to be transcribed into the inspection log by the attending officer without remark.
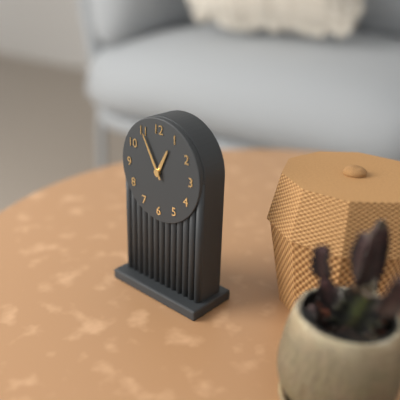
12:55
